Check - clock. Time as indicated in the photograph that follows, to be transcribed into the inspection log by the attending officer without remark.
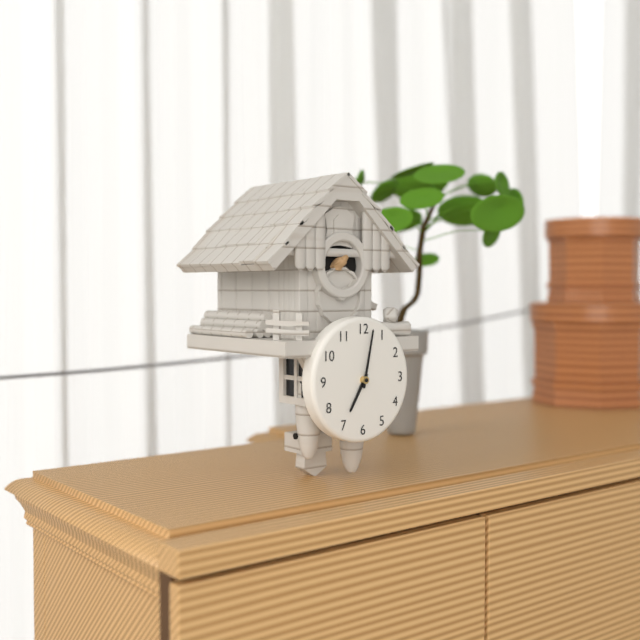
7:02
